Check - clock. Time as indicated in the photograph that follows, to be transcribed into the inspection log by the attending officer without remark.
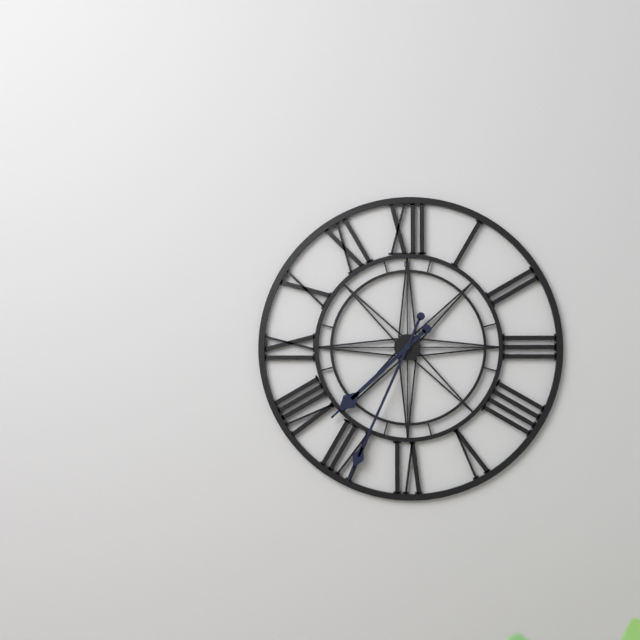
7:34
